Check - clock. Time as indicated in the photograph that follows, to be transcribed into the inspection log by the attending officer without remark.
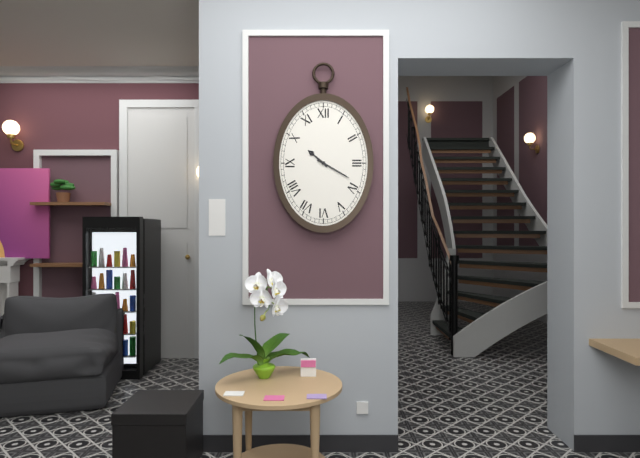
10:20
